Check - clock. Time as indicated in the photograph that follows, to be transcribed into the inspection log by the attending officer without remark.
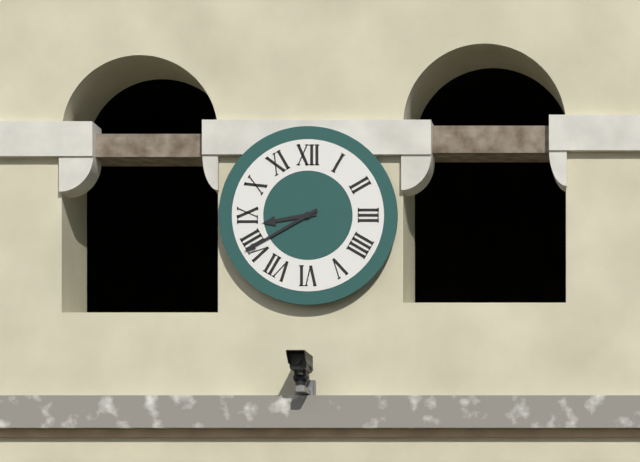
8:40
